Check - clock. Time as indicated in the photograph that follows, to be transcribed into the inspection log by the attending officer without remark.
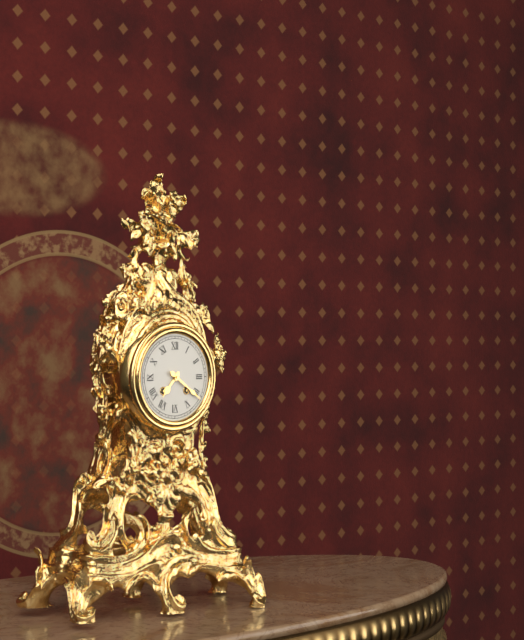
7:21
